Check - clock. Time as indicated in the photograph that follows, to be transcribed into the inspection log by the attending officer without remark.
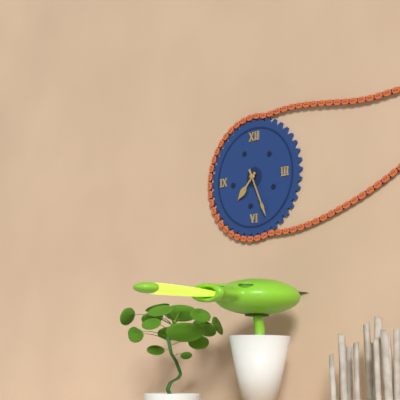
7:26
